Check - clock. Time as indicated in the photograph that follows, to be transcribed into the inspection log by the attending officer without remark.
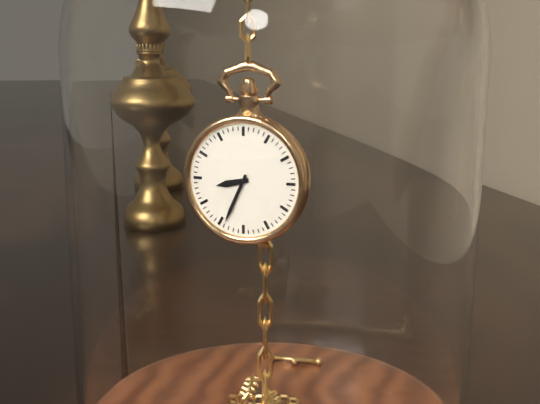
8:34
